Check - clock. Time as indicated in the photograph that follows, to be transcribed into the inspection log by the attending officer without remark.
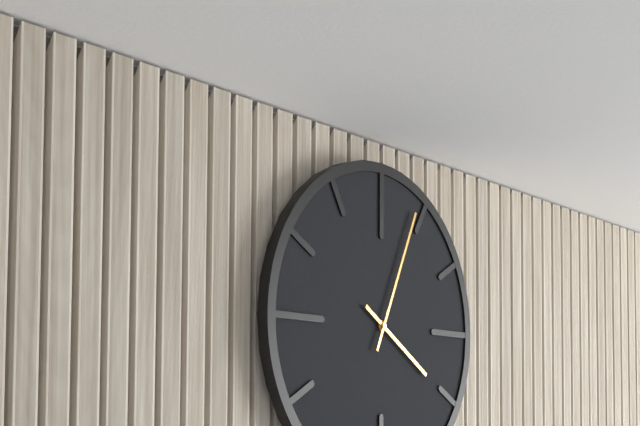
4:04
